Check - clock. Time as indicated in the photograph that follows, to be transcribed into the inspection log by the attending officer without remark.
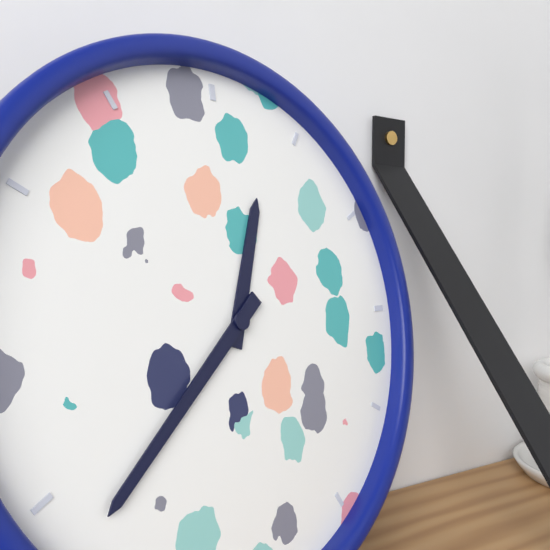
12:38
